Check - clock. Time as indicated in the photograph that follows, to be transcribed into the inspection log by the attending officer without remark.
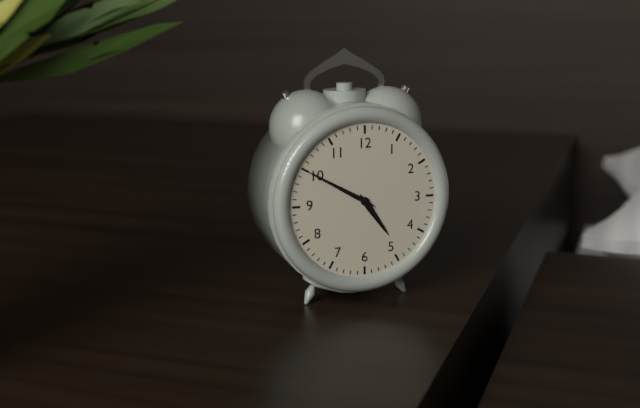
4:50
